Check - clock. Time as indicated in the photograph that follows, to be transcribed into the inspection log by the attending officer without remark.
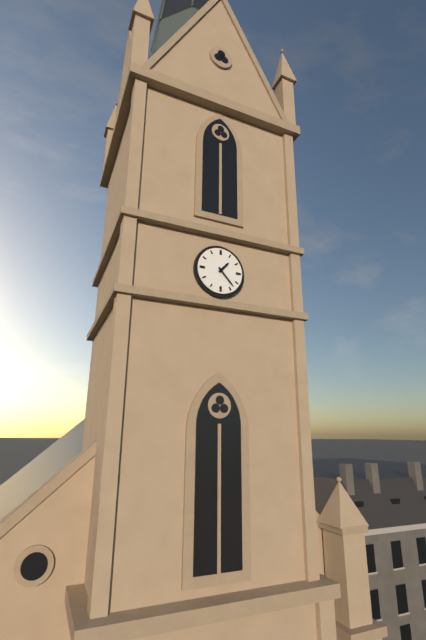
1:23
